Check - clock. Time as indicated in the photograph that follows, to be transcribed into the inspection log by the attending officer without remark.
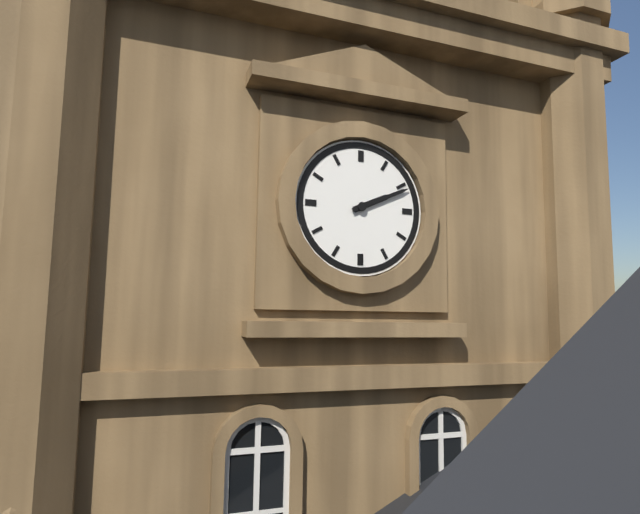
2:11
